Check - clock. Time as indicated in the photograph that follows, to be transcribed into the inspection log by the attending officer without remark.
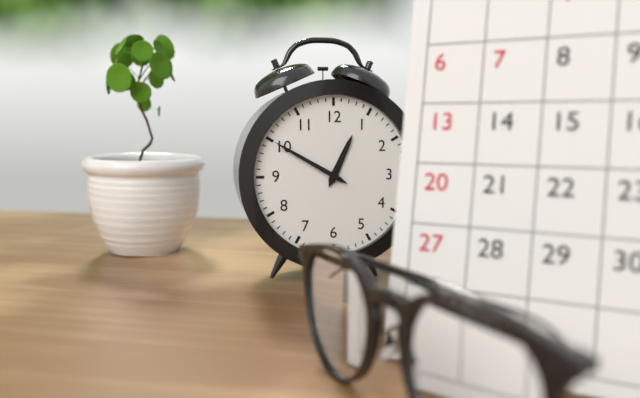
12:50
